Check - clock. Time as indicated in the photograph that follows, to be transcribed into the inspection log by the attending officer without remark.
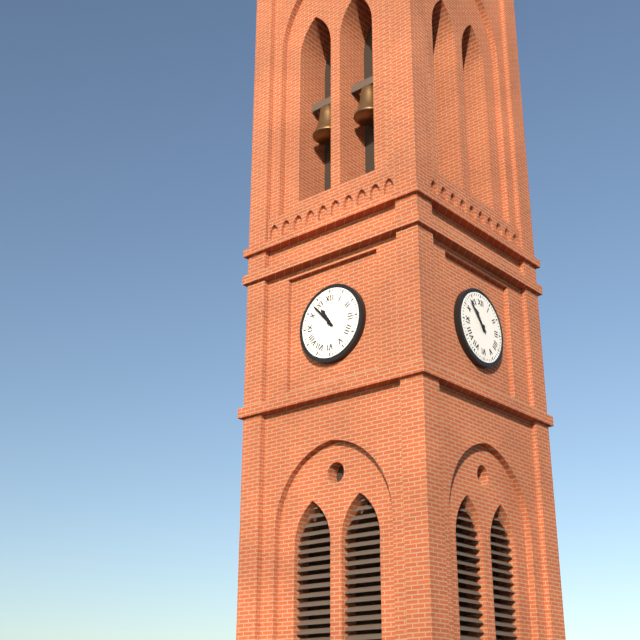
10:53
